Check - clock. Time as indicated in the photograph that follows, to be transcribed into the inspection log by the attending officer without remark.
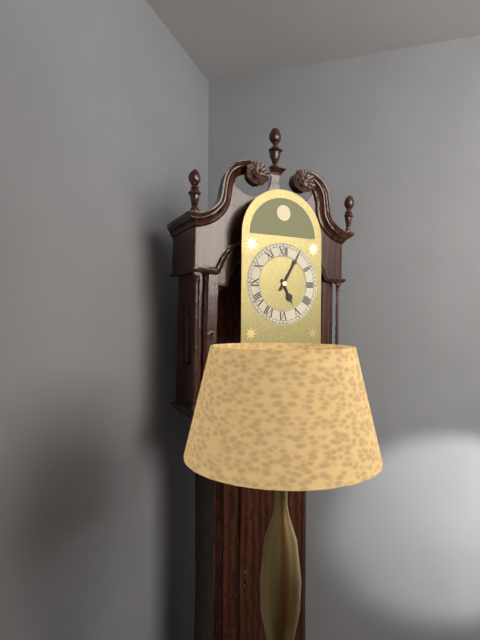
5:05
